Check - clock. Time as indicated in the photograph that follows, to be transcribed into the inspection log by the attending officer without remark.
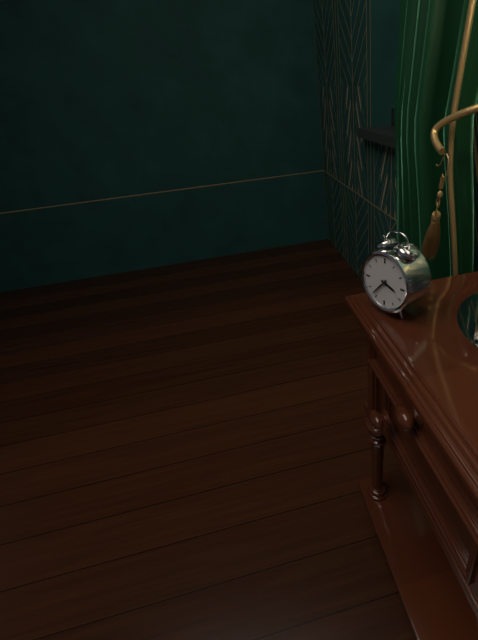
3:37
